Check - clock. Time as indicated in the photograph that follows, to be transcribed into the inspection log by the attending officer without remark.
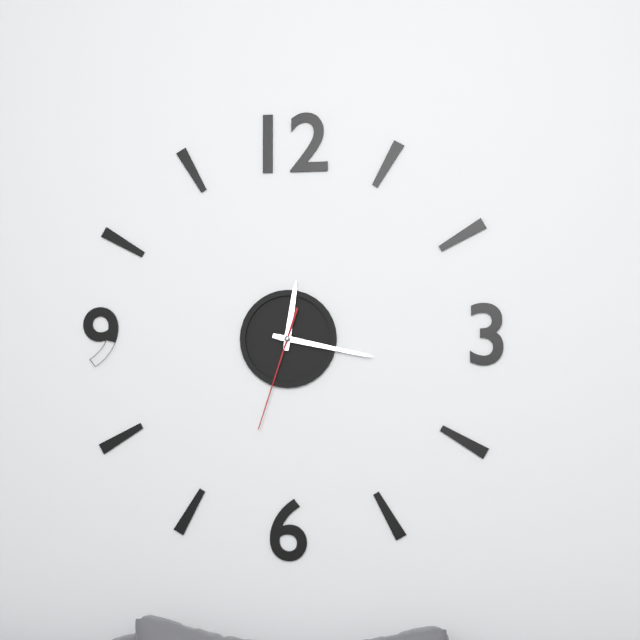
12:17:33
